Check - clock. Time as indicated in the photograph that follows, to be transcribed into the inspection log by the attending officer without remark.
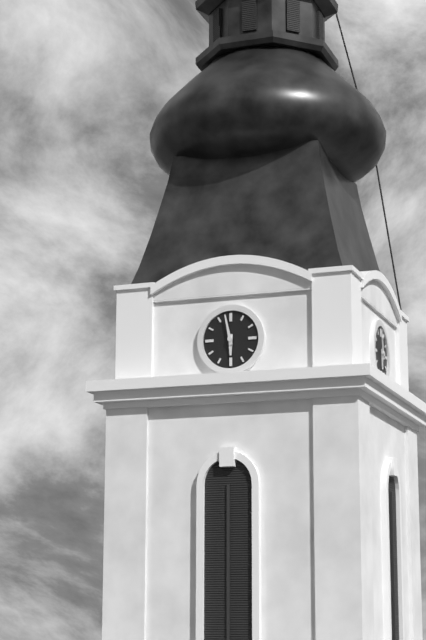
5:58
